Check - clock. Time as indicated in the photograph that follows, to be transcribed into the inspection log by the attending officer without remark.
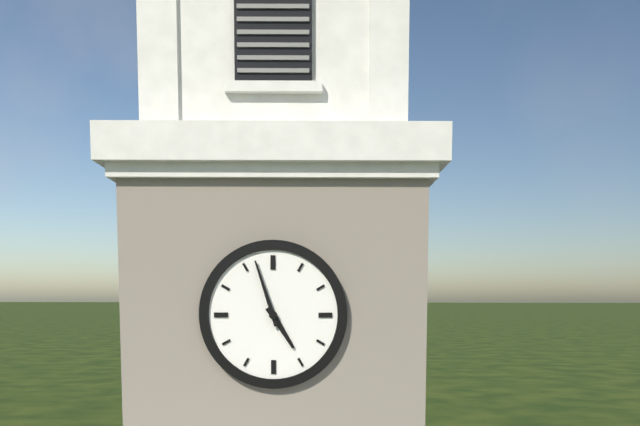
4:57
